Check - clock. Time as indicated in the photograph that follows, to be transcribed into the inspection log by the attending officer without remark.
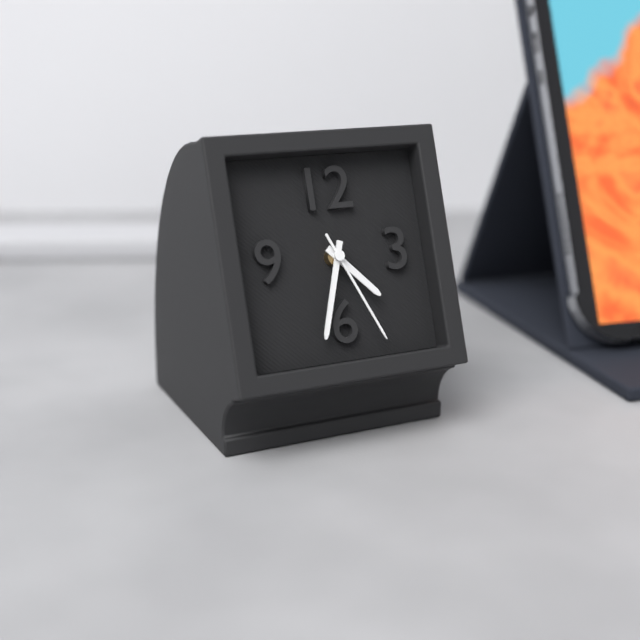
4:33:26
